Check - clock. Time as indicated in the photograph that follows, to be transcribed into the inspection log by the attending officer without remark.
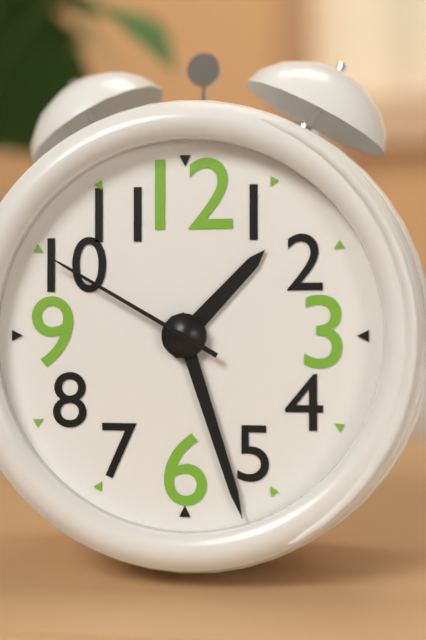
1:27:50
